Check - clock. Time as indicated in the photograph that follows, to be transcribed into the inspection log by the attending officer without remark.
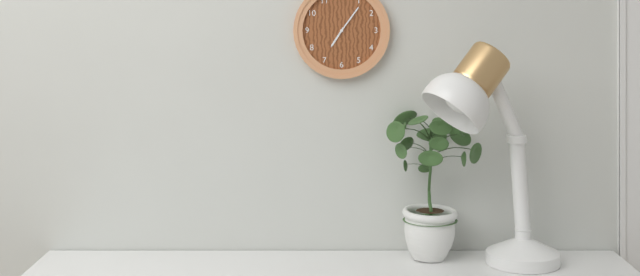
7:06
